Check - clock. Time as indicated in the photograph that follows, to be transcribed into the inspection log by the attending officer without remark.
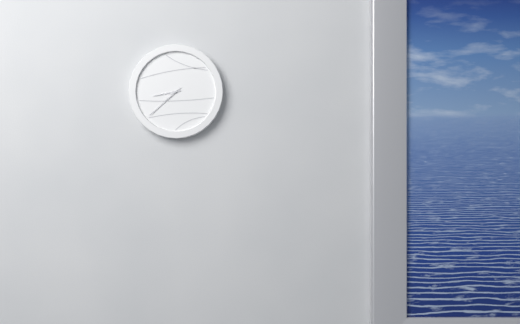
8:38
